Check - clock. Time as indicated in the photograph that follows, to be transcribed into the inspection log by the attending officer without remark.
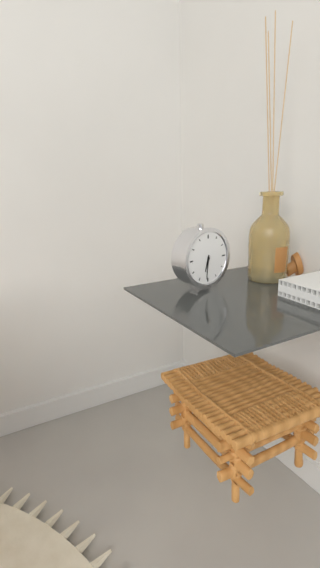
6:31
